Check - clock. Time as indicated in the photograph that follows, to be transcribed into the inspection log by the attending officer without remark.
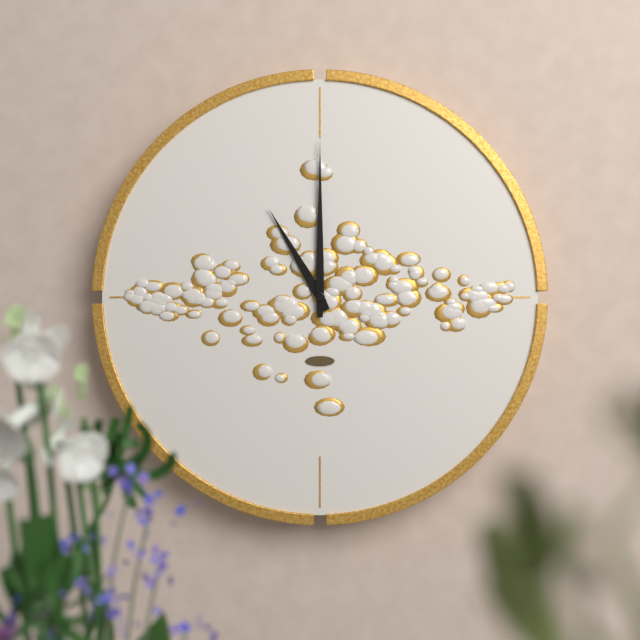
11:00
